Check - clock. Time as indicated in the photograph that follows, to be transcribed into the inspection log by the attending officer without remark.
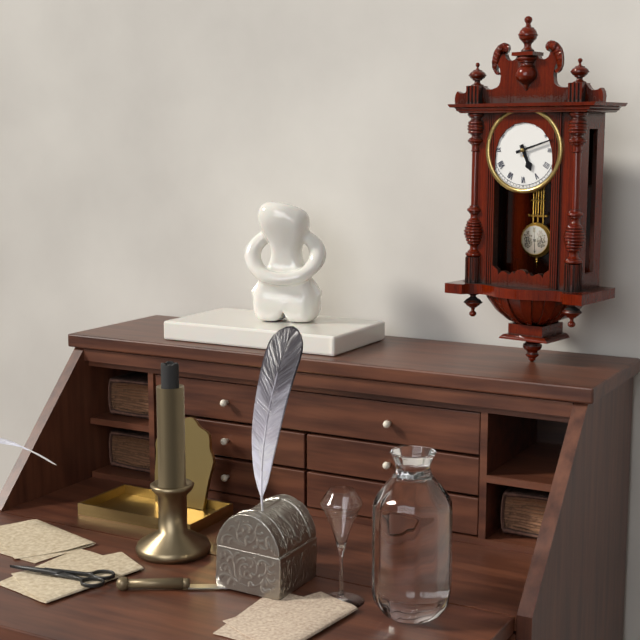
5:12
